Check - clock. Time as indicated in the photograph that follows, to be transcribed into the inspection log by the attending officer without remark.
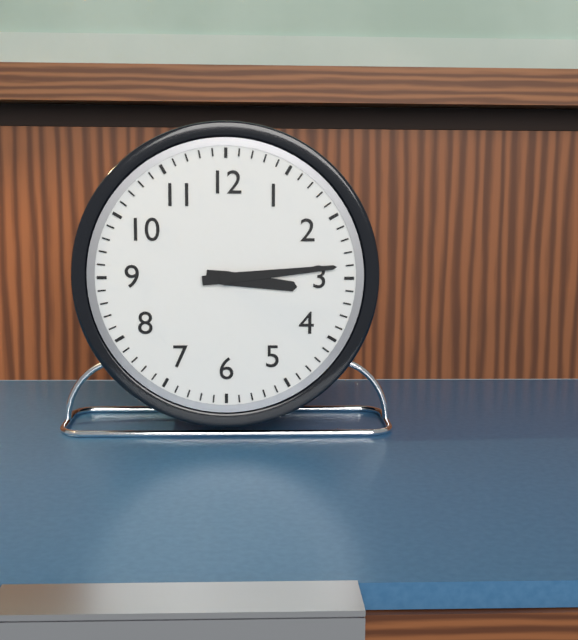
3:14
